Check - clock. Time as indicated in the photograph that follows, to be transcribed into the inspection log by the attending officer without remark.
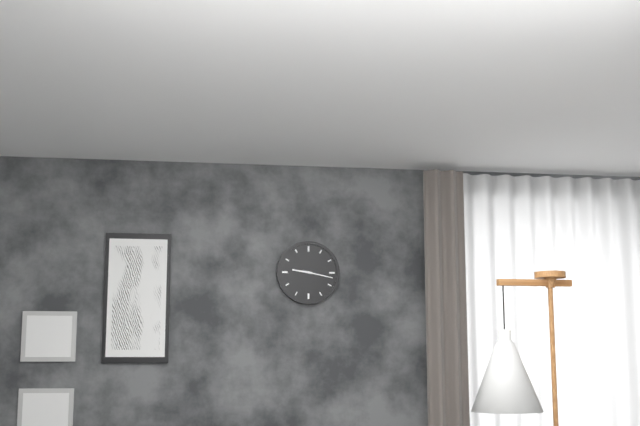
9:17
